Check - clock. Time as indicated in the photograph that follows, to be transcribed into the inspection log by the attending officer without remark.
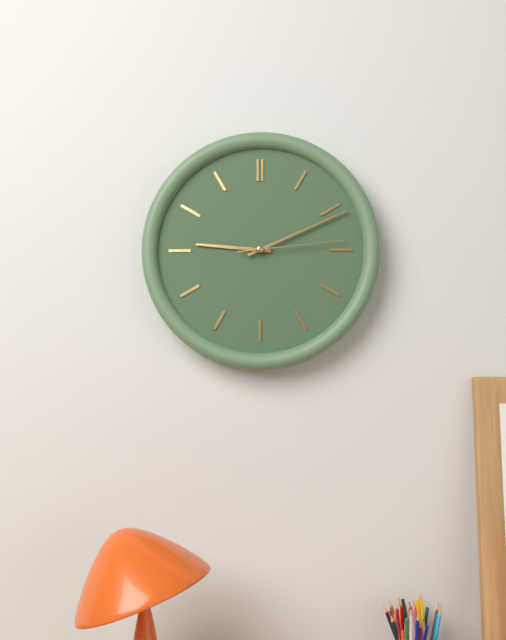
9:11:14
